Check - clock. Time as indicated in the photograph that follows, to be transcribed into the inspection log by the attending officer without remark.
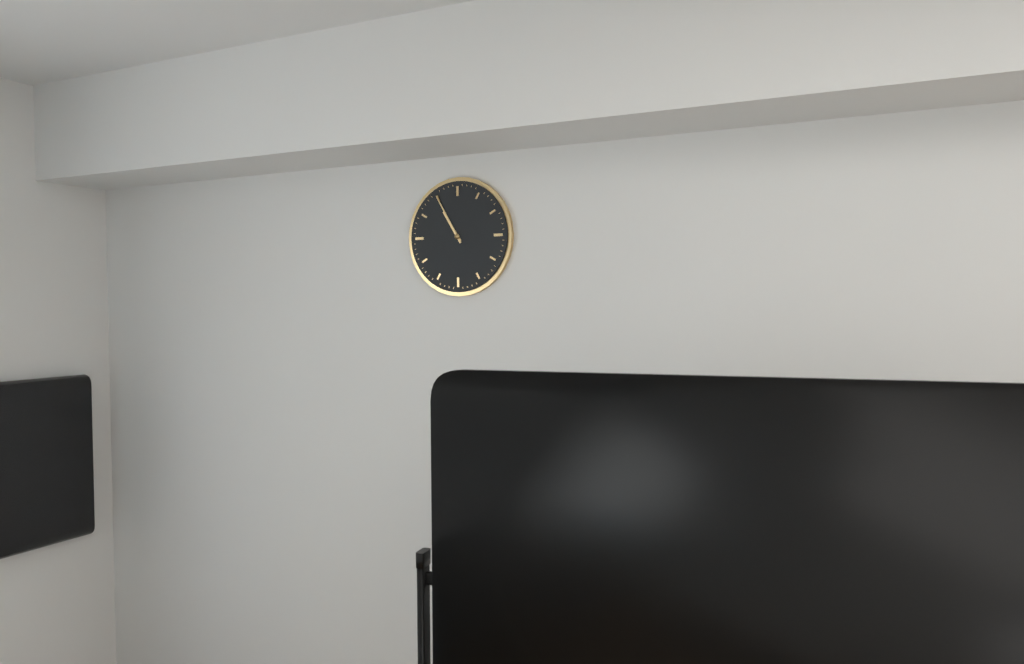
10:55
